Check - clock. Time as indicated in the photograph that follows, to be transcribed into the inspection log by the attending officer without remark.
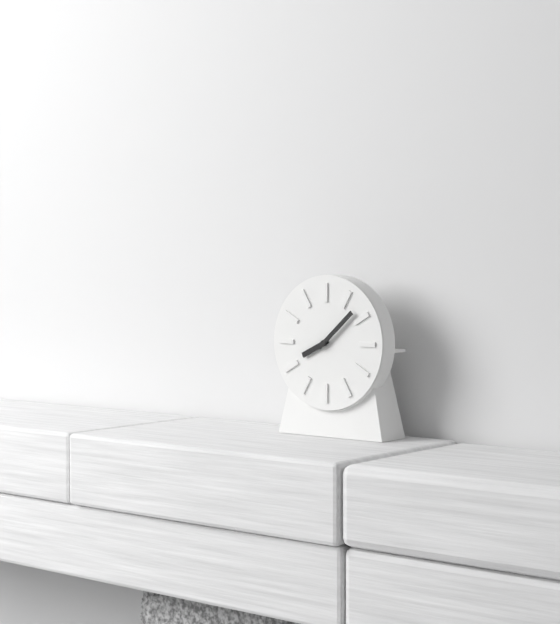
8:08
